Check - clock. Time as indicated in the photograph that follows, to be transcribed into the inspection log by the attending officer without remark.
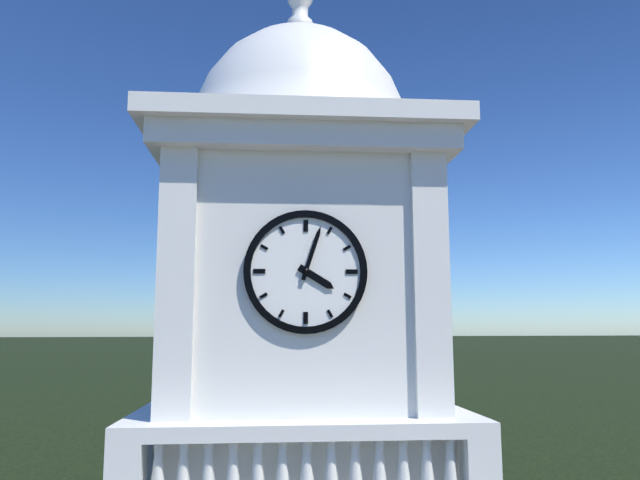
4:03
